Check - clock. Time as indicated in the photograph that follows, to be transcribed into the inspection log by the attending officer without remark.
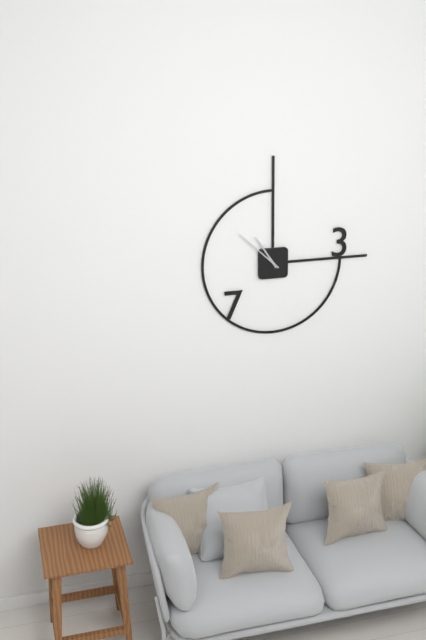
10:52
